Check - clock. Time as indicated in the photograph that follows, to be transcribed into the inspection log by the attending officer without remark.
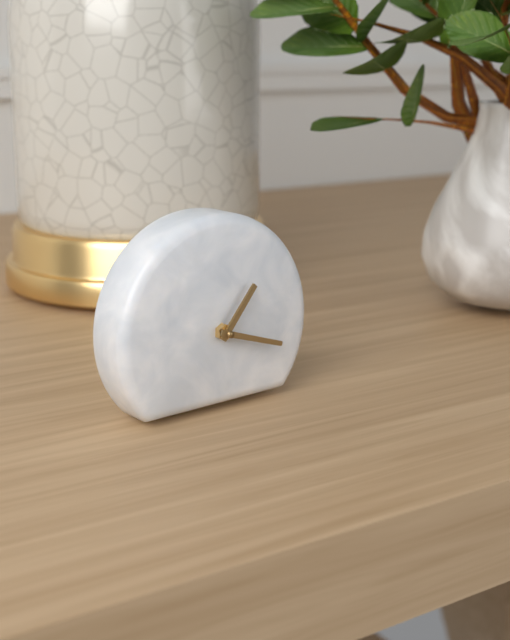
1:18
